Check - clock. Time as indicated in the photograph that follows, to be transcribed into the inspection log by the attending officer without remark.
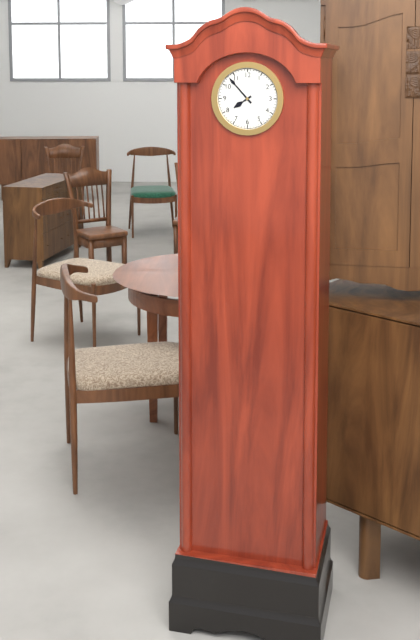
7:53
